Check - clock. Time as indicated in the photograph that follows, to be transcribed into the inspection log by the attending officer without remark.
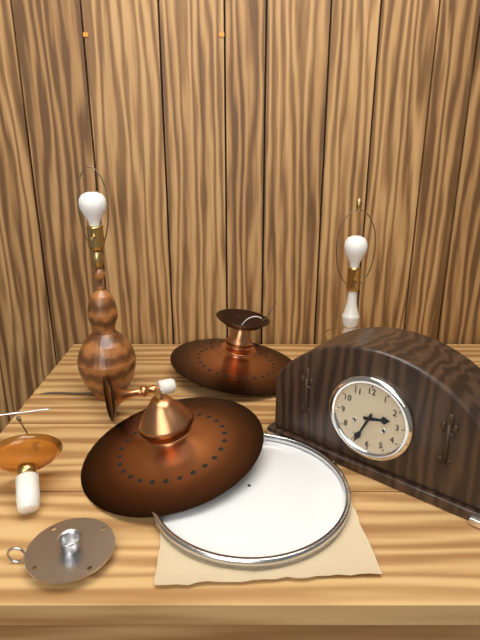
2:34
